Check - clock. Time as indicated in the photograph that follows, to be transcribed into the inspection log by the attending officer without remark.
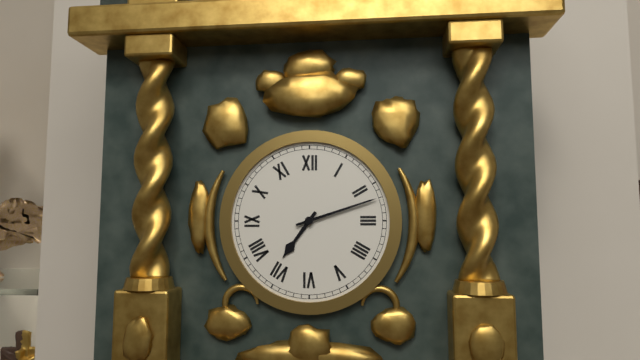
7:12
